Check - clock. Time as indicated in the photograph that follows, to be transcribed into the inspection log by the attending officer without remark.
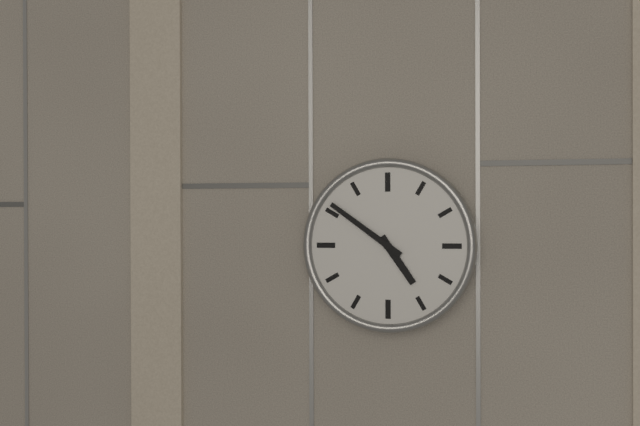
4:51
